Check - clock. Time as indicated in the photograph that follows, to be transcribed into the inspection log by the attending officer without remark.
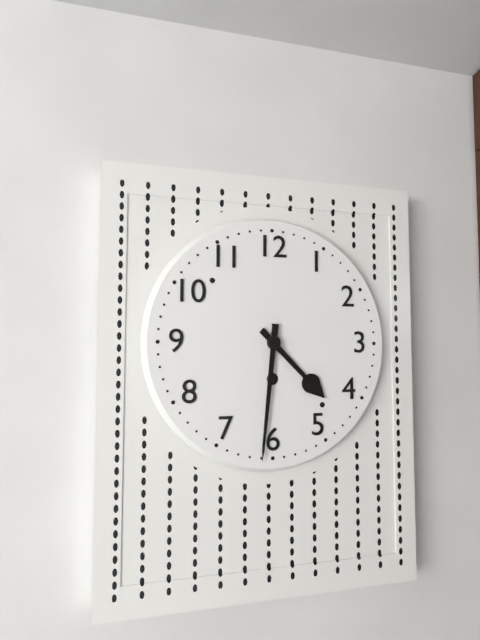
4:31
